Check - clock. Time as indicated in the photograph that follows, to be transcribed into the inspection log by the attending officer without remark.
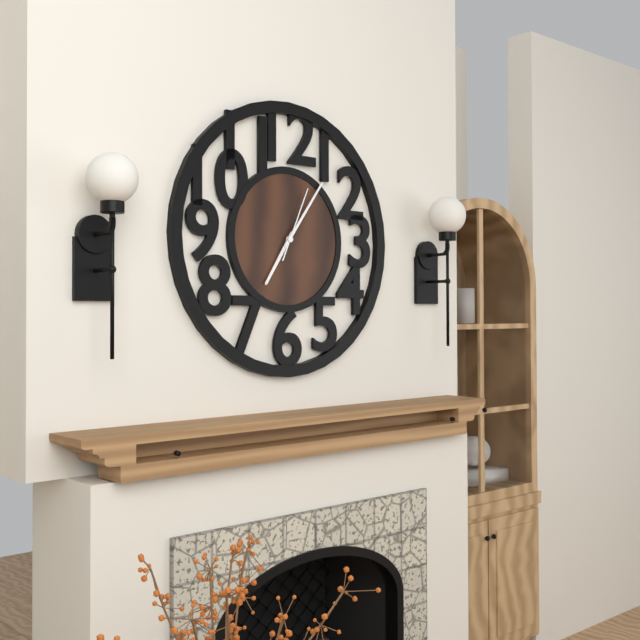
7:06:04
